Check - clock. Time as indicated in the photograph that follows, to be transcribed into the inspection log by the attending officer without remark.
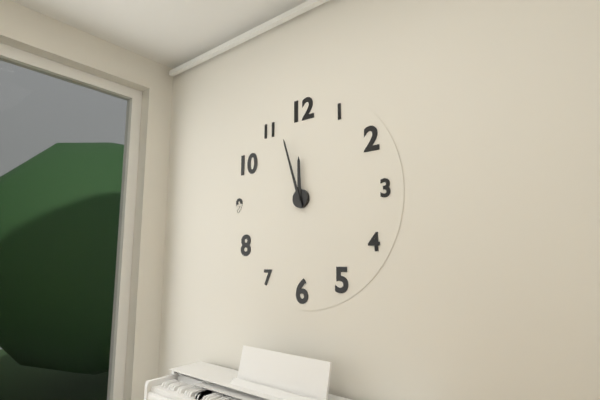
11:57
